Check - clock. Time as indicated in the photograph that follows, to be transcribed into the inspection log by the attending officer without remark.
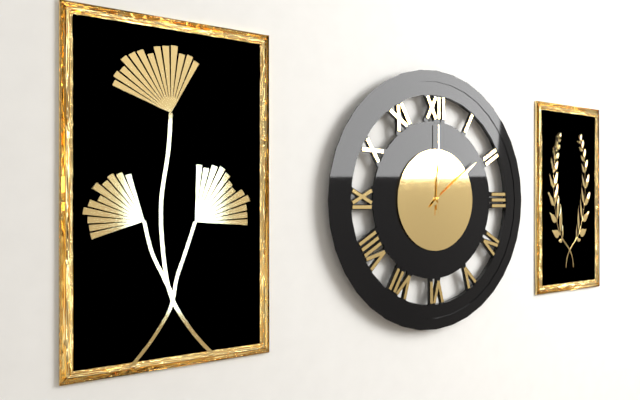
12:09:00
